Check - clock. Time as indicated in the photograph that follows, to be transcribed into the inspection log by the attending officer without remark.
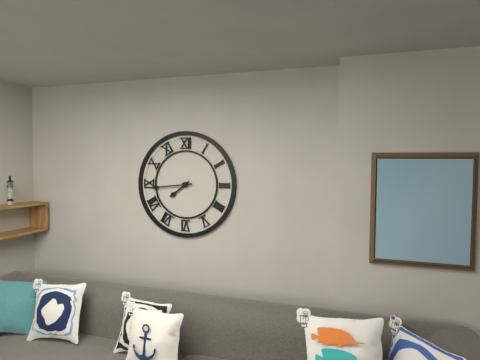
7:44
